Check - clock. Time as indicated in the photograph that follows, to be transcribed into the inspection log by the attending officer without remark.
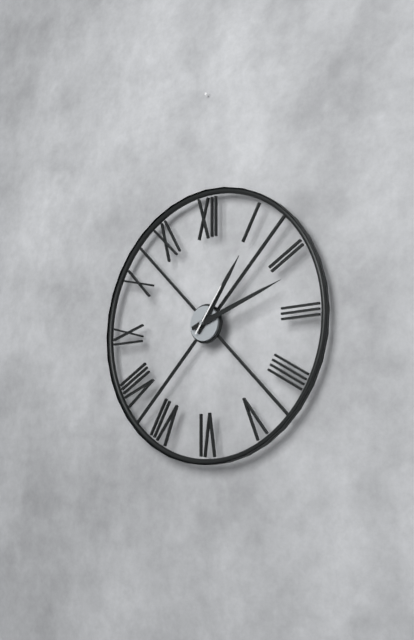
1:12:06
